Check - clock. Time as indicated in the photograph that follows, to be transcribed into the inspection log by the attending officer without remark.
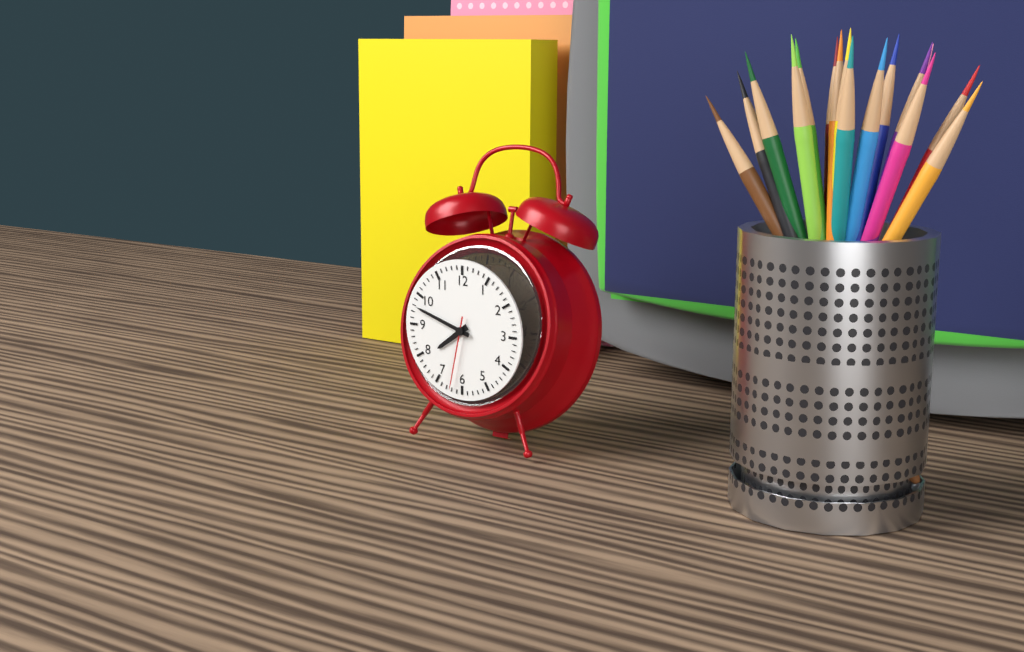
7:48:32
